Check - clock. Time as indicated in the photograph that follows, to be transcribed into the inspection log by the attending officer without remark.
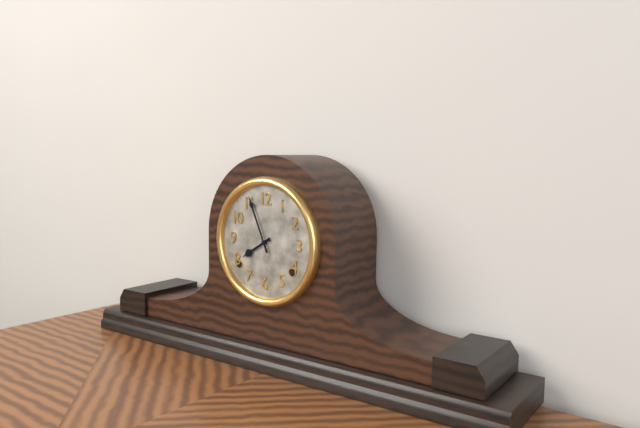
7:56
